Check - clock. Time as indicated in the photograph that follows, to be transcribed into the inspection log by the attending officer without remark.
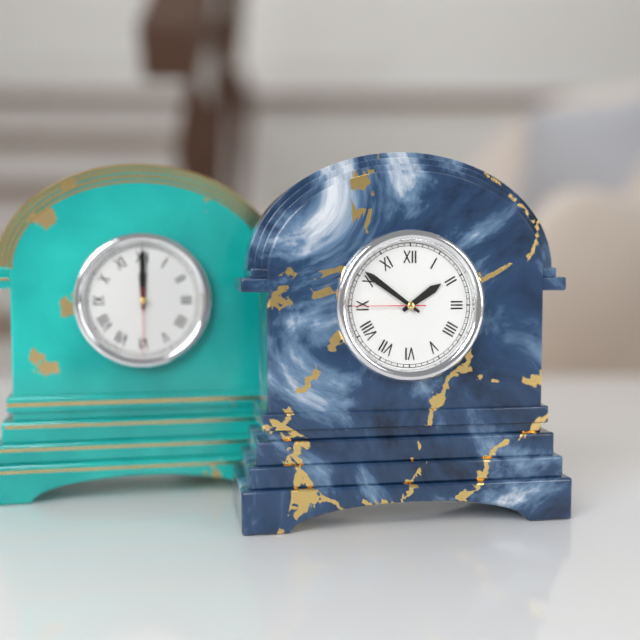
1:51:45
